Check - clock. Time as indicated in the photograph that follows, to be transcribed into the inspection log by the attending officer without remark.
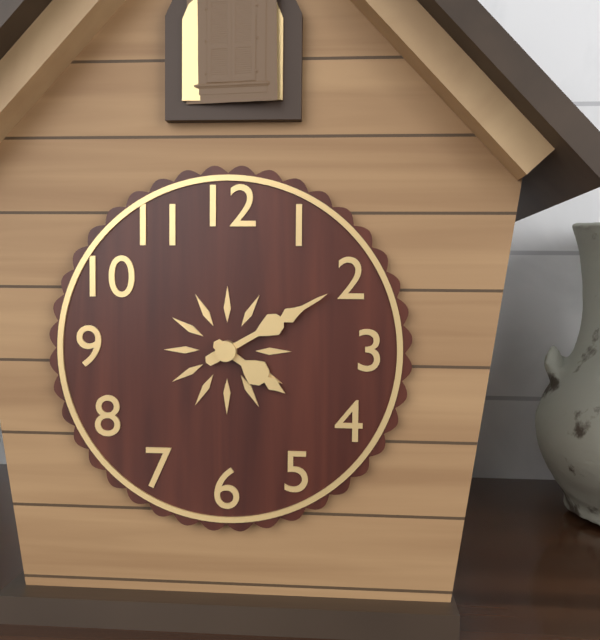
4:10
